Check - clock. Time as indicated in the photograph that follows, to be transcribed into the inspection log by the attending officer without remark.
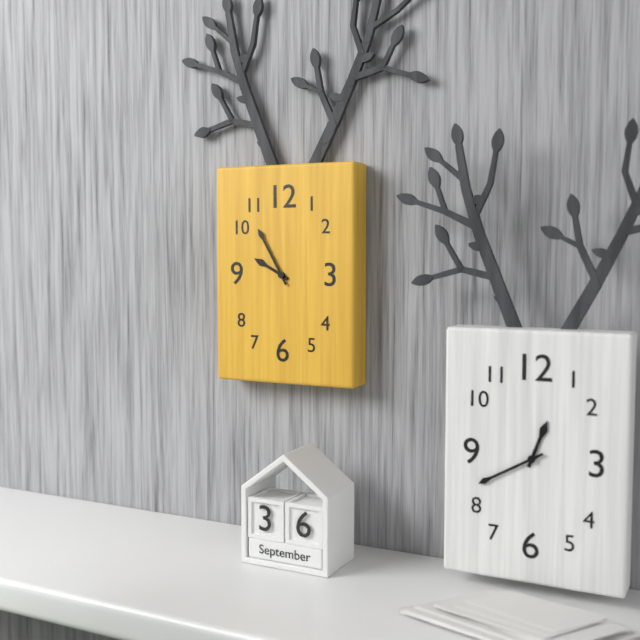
9:55
